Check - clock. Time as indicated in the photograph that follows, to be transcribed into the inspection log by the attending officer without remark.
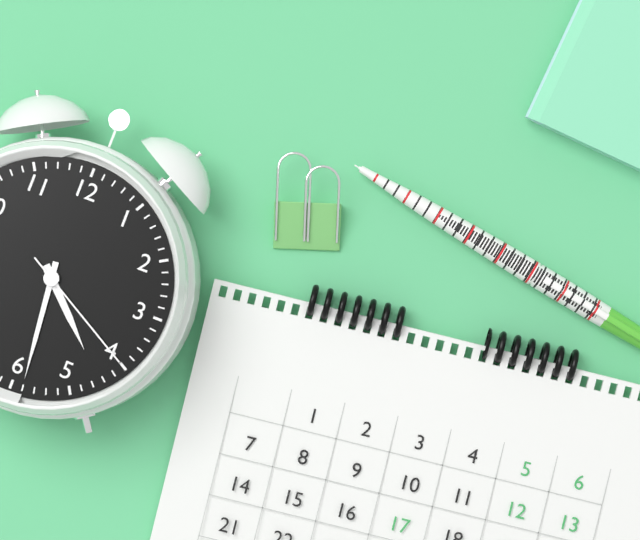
4:29:20
